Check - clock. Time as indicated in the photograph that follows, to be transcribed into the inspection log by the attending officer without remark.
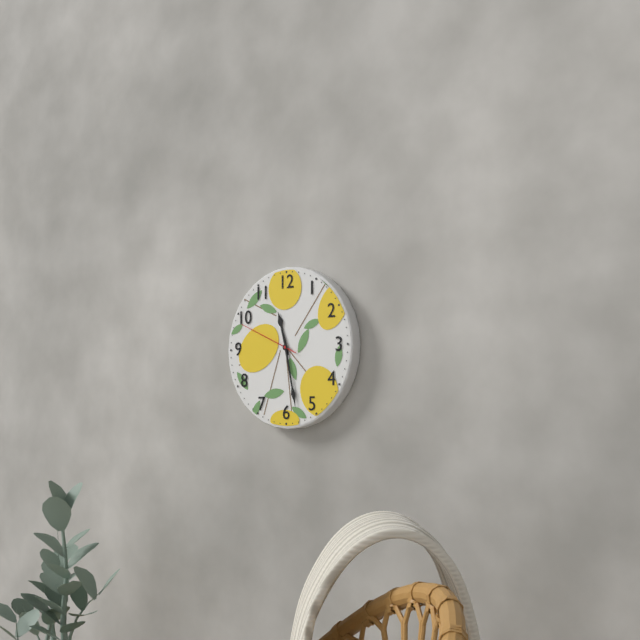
11:28:49
